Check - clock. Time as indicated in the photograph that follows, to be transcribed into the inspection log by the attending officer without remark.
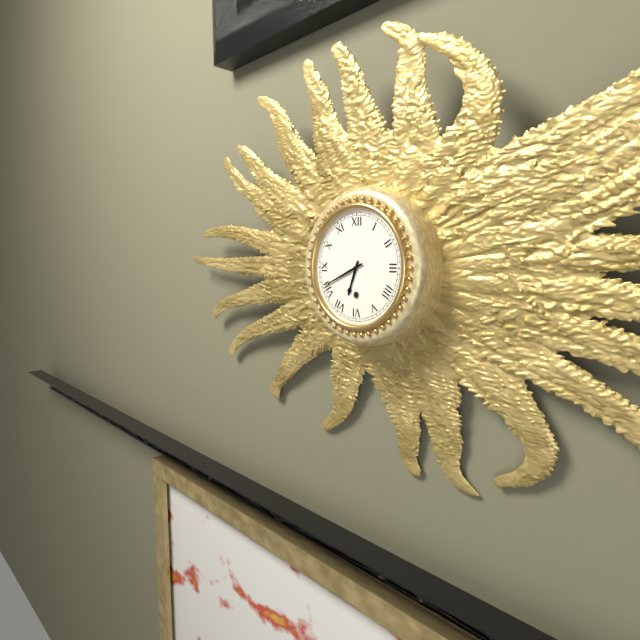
6:41
